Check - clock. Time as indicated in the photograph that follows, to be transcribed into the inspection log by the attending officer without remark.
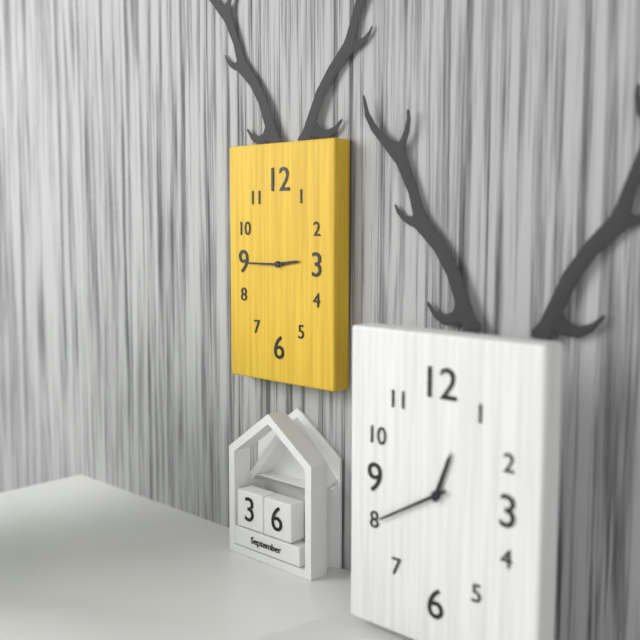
2:45
